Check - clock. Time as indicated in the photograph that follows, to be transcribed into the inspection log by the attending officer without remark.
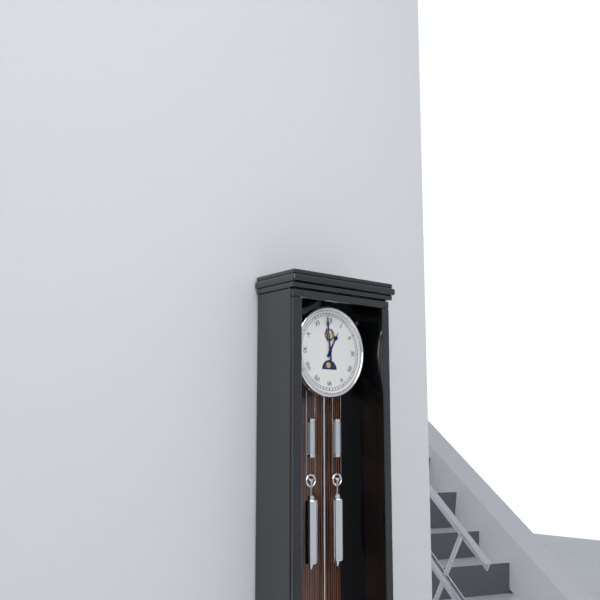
12:59
